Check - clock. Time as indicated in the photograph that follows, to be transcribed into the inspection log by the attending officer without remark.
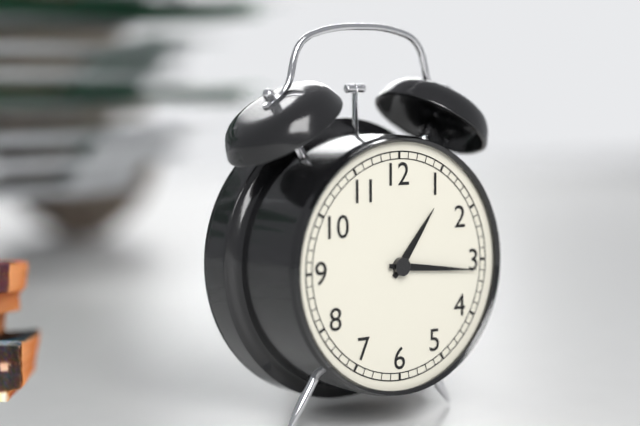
1:16
